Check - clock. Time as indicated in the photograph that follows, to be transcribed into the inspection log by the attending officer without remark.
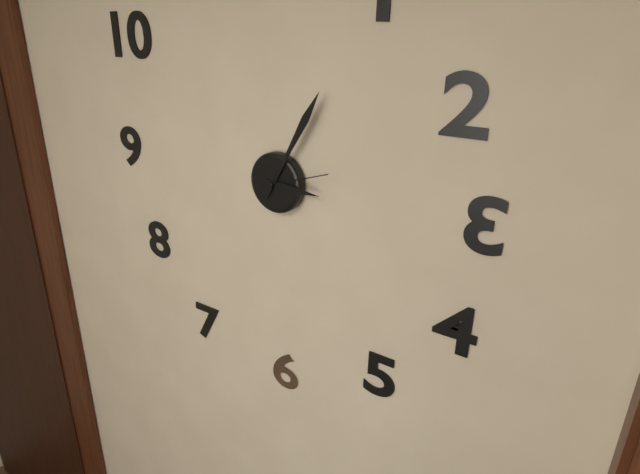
3:05:12
